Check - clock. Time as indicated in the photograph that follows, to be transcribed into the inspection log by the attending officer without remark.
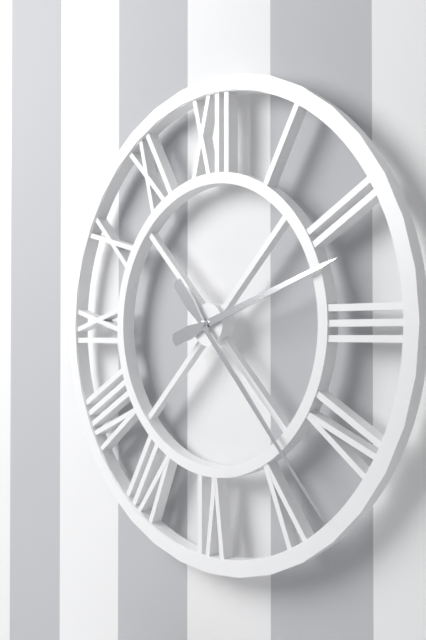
2:23
